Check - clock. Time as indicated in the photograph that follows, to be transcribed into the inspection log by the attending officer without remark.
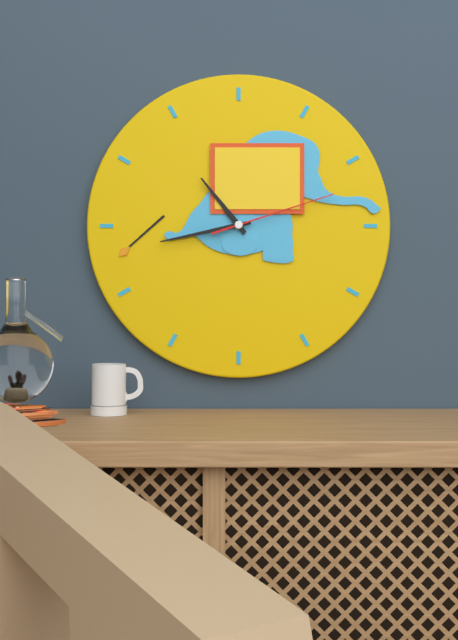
10:43:12
